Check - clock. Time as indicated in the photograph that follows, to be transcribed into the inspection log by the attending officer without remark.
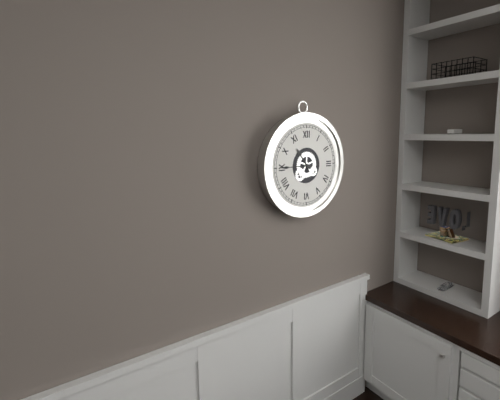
10:45
